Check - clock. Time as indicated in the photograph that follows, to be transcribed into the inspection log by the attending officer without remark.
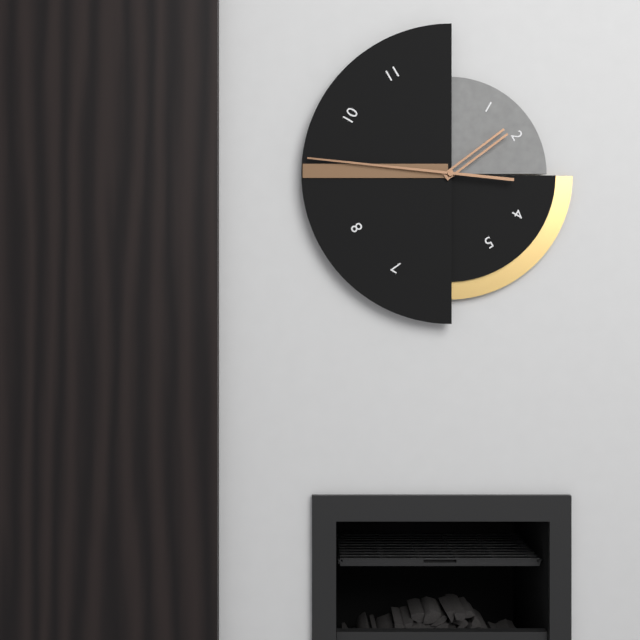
1:46
